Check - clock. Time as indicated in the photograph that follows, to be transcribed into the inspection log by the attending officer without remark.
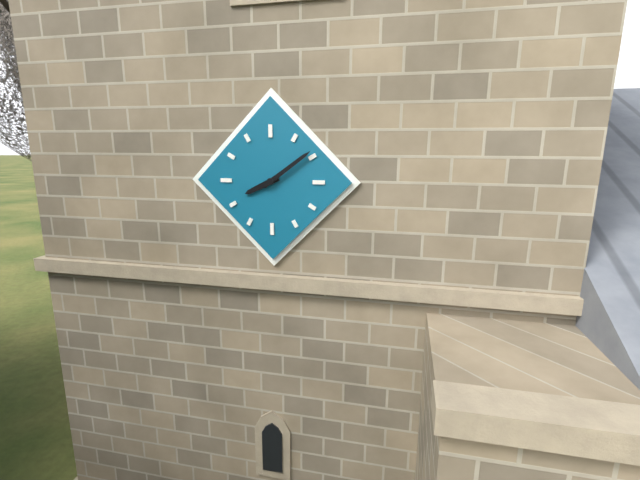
8:09
